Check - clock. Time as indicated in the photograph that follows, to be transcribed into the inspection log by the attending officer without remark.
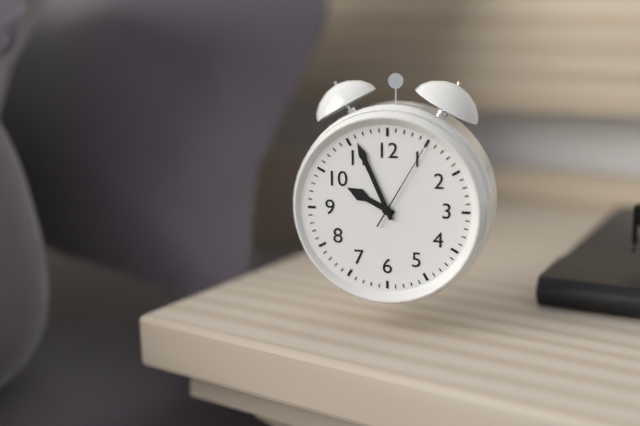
9:56:05
